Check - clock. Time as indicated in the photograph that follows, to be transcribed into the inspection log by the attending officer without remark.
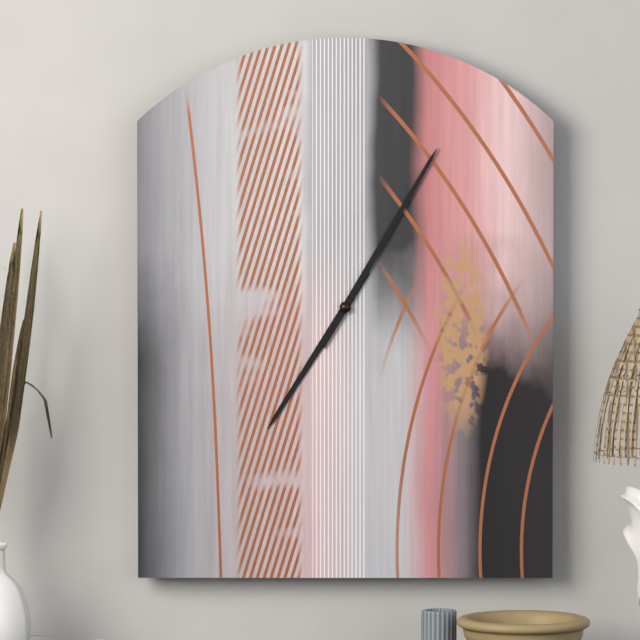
7:05
